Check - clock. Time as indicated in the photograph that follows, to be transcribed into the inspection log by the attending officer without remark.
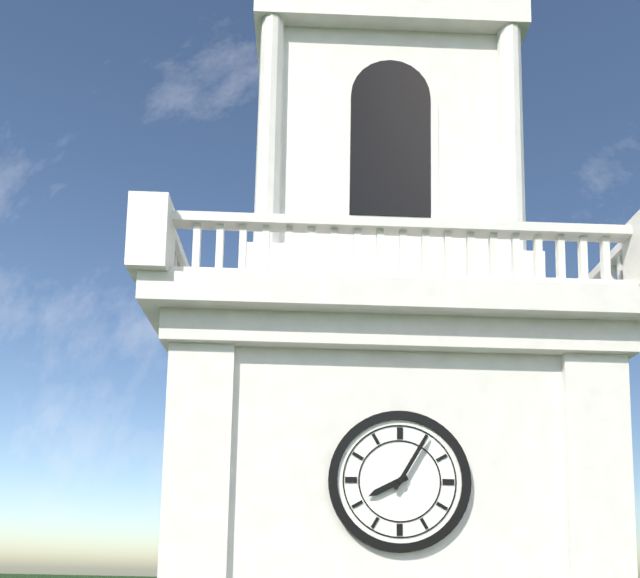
8:05
